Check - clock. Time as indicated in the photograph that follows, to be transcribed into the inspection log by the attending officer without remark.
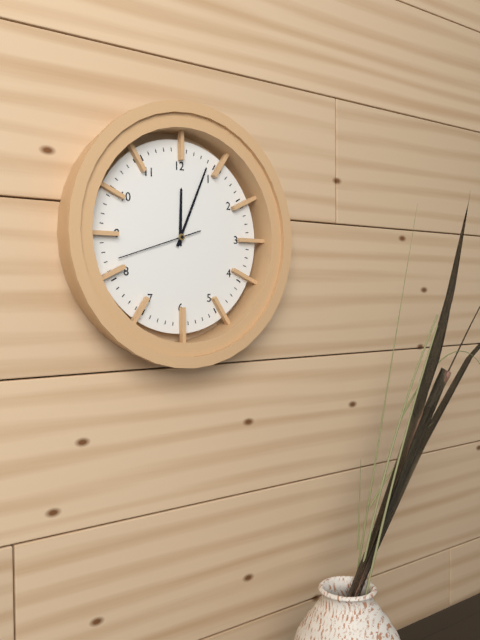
12:04:42
